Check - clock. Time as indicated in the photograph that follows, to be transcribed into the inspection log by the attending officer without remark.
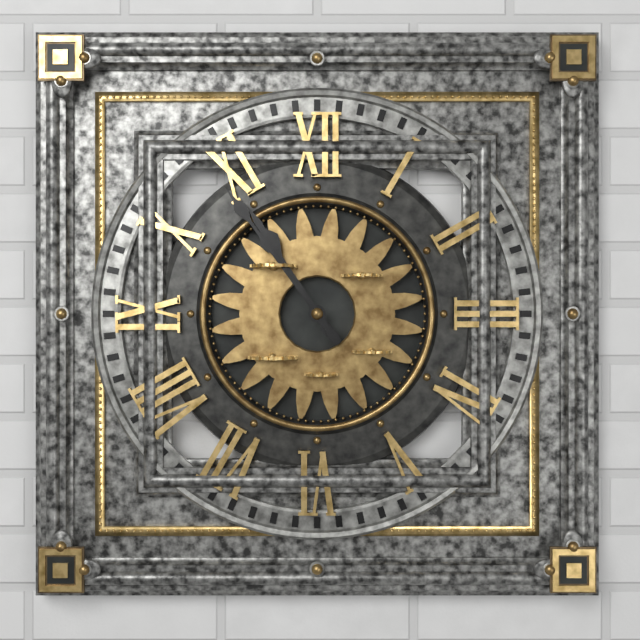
10:54
